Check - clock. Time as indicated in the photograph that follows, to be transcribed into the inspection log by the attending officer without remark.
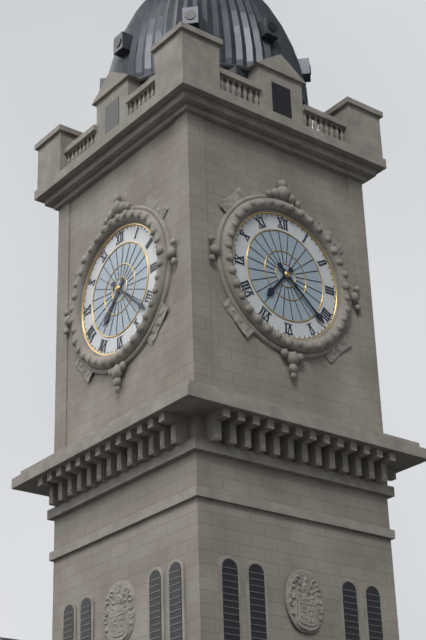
7:22
